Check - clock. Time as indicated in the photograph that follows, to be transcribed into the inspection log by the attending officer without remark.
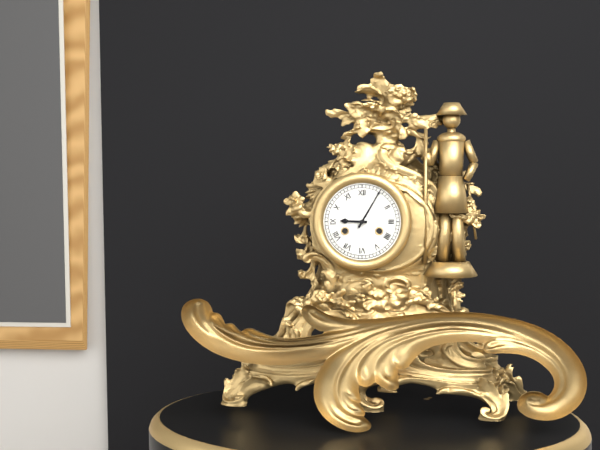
9:05
